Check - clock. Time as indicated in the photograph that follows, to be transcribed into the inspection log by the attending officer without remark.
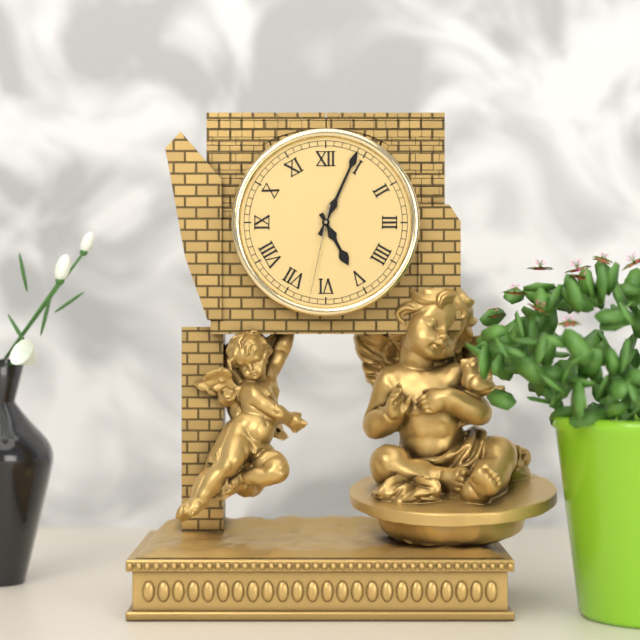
5:04:32
